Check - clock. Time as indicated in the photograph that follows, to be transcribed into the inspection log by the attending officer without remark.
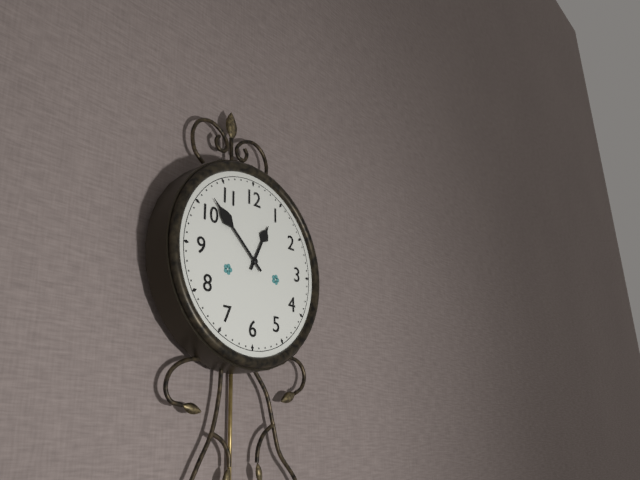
12:52
